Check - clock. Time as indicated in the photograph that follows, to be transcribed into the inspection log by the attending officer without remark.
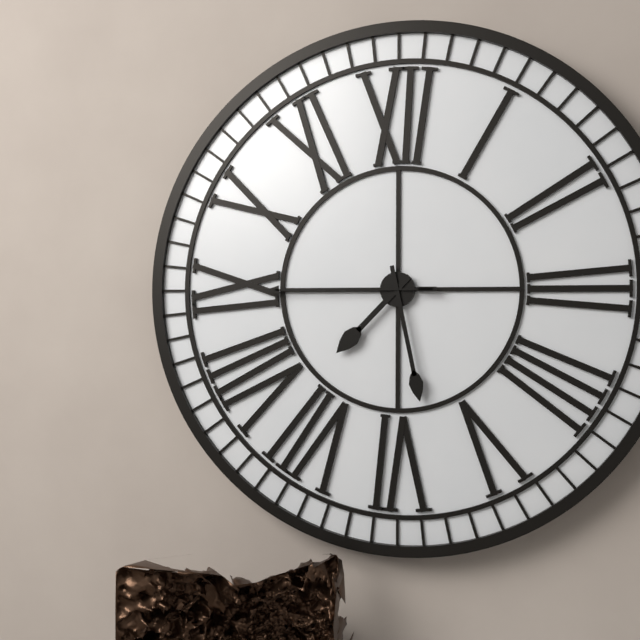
7:28:45
